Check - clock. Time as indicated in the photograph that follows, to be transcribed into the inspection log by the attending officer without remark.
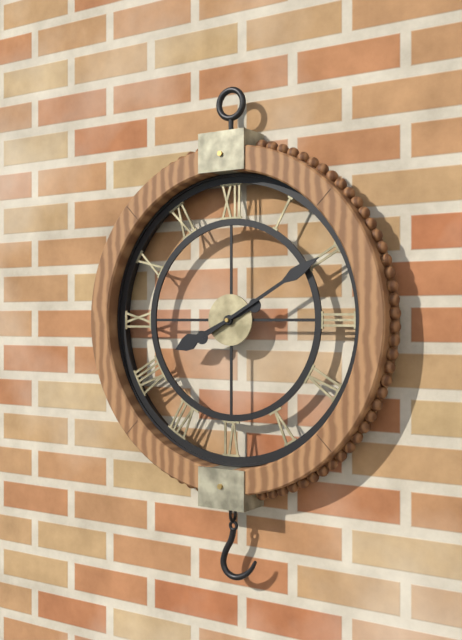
8:10
